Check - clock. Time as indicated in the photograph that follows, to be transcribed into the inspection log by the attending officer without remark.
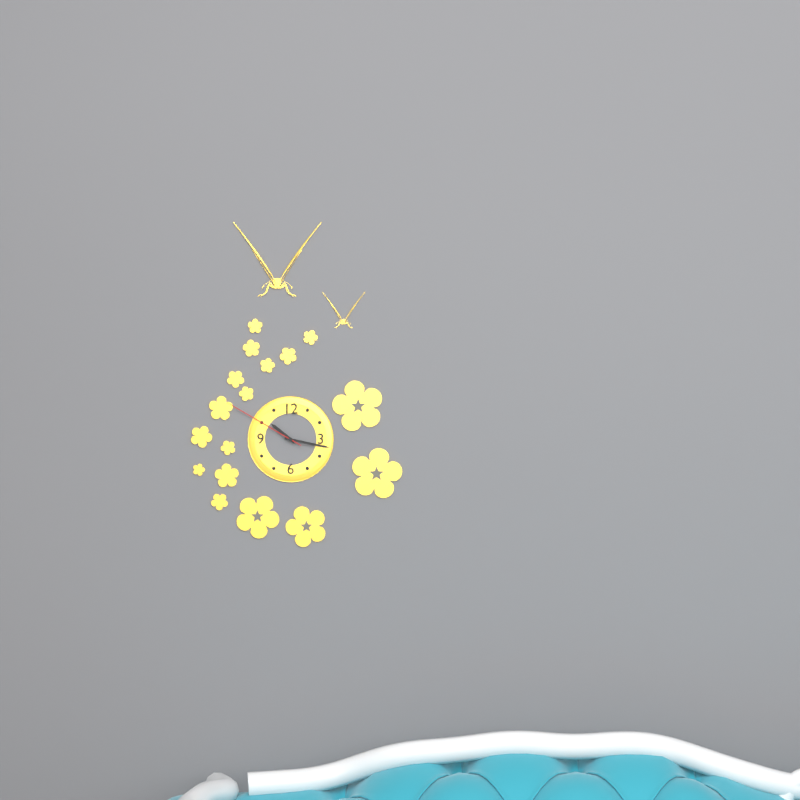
10:17:50
